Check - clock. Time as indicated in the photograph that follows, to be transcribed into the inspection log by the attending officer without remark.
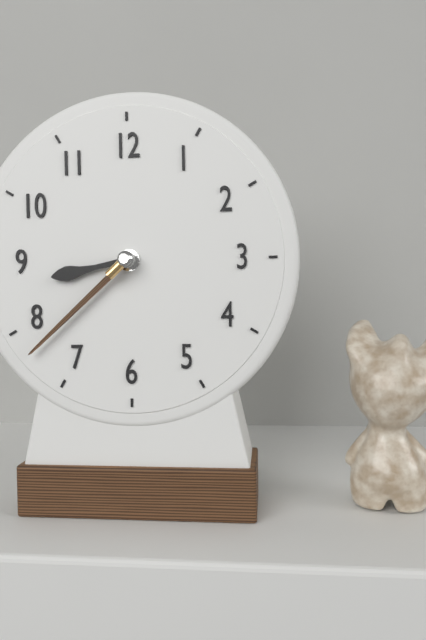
8:38
